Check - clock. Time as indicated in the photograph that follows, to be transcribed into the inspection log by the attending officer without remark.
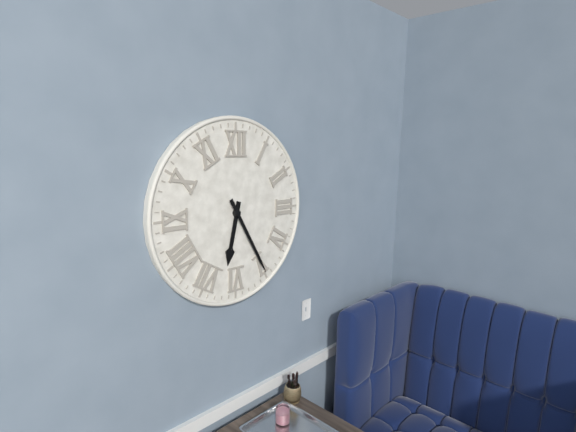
6:25
